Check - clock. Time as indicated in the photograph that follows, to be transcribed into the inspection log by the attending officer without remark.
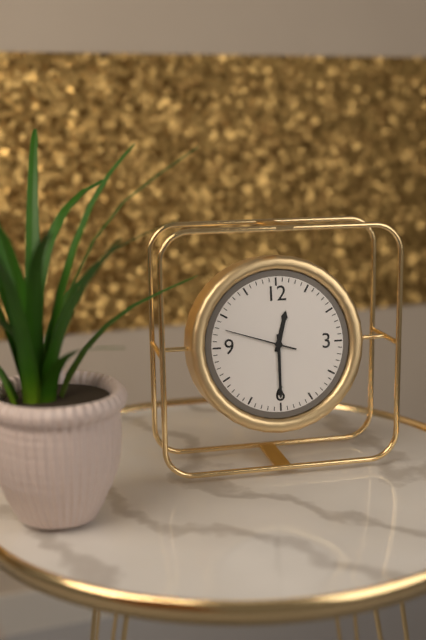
12:30:48
